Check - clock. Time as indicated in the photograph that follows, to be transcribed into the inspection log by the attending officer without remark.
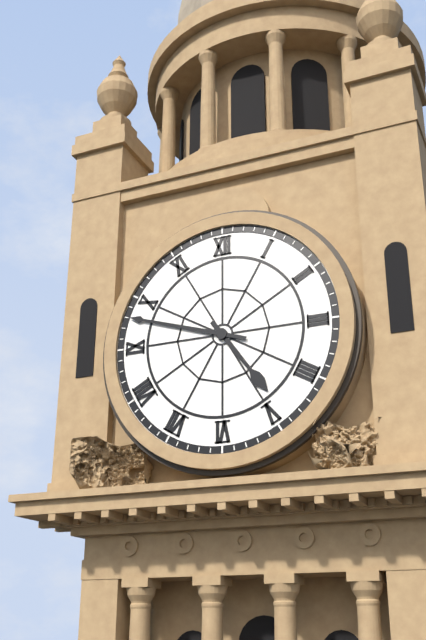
4:48
